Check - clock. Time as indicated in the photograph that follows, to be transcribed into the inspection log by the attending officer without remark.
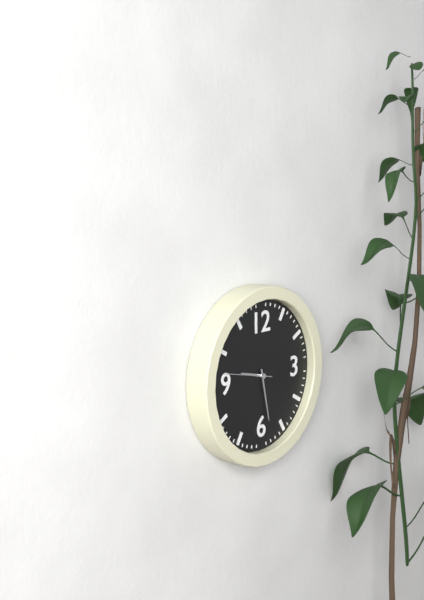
9:28
